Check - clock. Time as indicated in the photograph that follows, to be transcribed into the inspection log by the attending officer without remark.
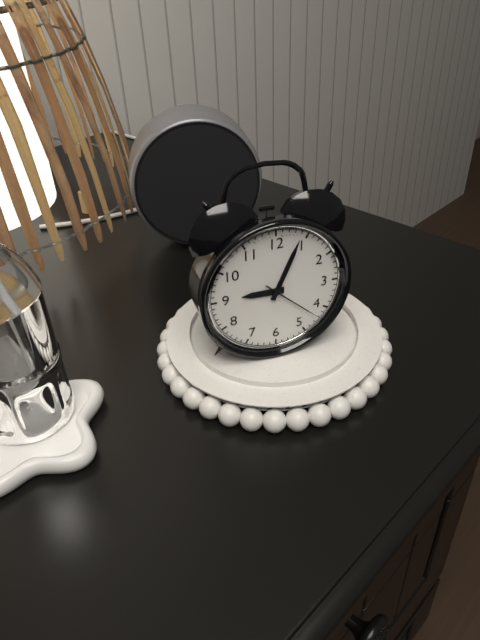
9:04:22
